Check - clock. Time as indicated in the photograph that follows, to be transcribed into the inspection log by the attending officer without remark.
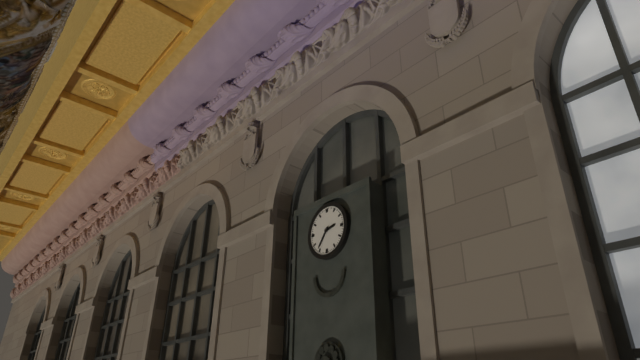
2:36
